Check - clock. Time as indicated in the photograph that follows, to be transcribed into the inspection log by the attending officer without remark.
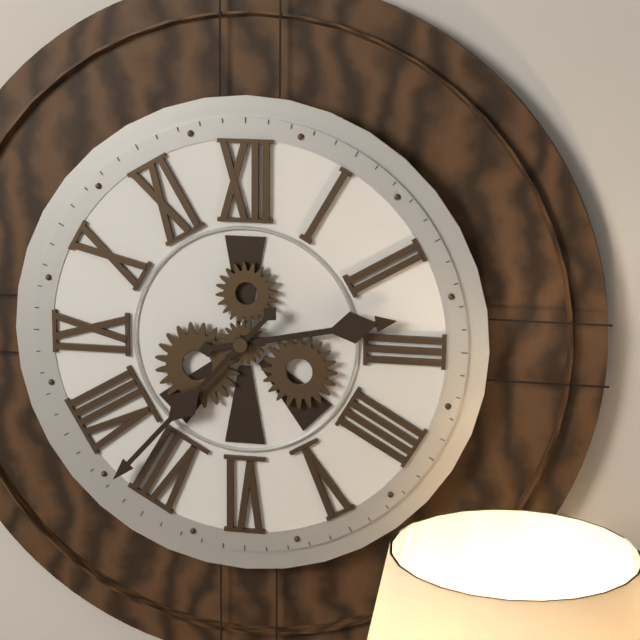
2:37
